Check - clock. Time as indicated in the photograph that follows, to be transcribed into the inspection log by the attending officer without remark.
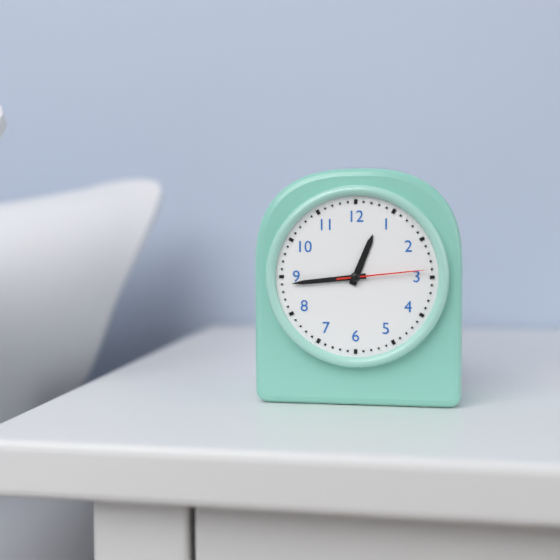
12:44:14
